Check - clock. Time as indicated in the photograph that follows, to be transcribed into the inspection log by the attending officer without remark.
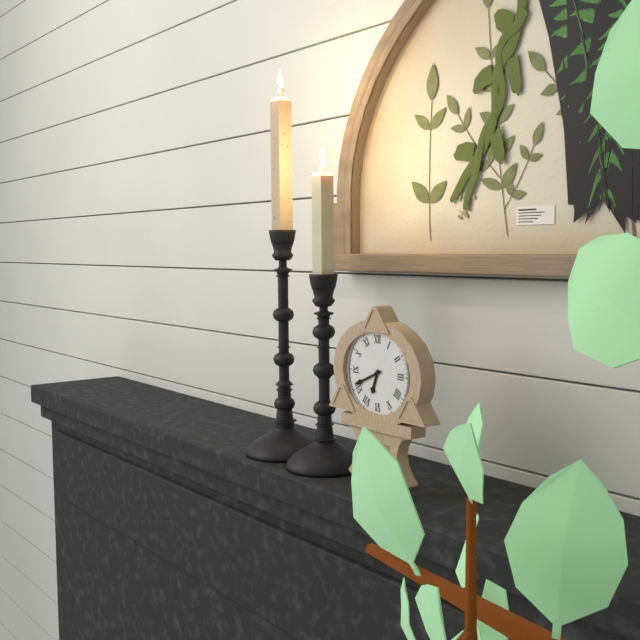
6:41
